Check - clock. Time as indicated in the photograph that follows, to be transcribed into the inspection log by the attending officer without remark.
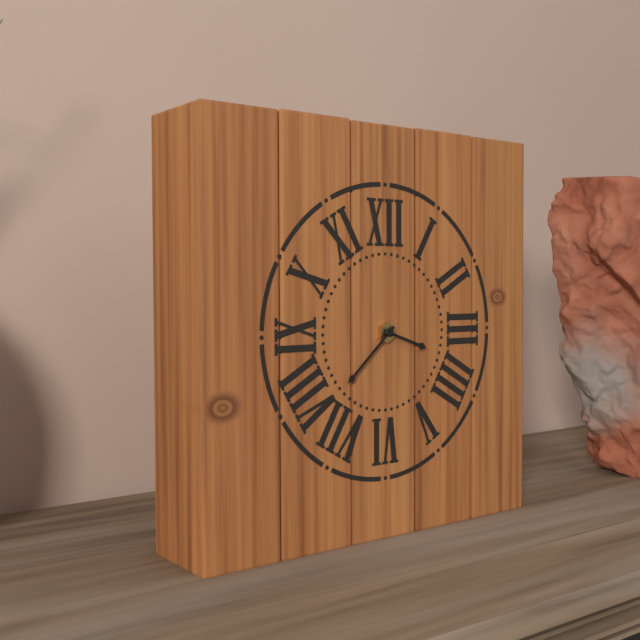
3:38
